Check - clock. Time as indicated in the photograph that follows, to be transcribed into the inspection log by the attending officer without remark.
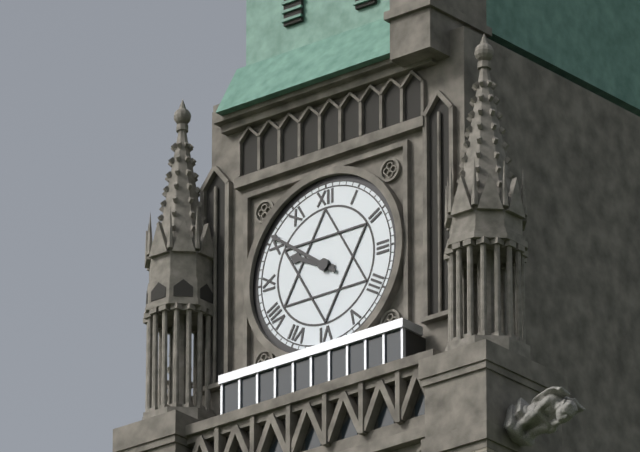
9:51
